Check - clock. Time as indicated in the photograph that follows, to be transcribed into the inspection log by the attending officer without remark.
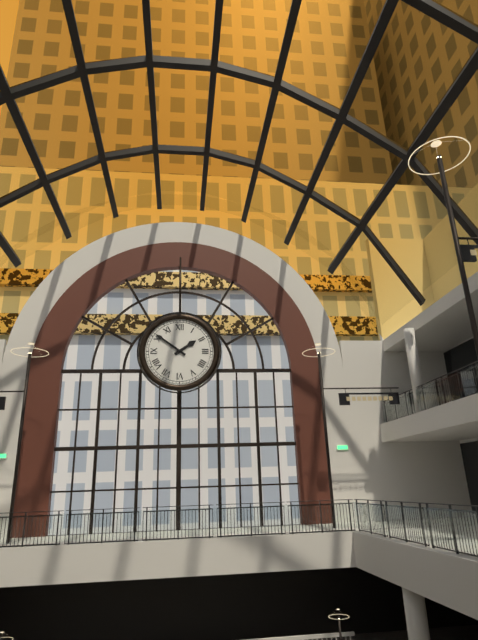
1:51
